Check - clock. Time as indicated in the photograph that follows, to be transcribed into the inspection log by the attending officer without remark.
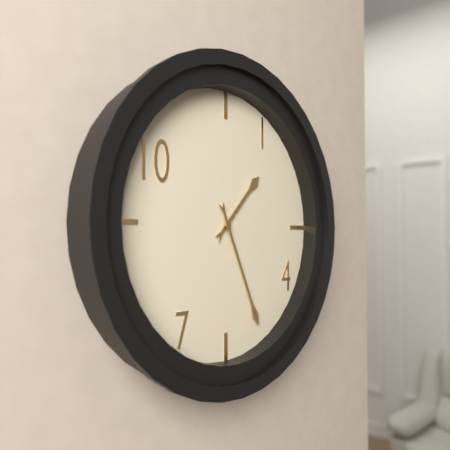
1:26
